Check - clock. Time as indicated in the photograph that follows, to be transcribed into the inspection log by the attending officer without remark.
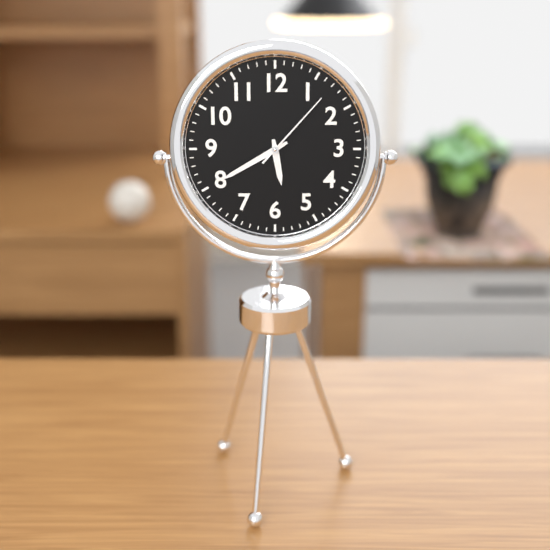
5:40:07
